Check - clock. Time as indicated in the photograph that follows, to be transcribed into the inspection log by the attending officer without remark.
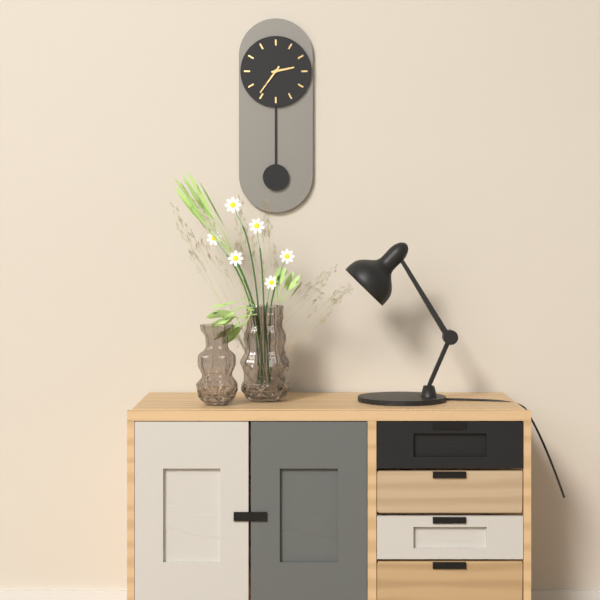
2:36
